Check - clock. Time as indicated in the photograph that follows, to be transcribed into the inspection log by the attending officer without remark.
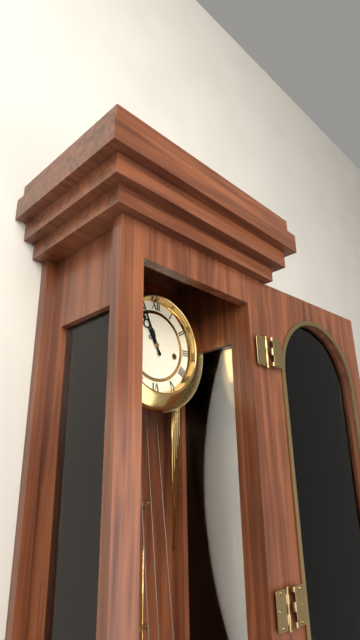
10:56
